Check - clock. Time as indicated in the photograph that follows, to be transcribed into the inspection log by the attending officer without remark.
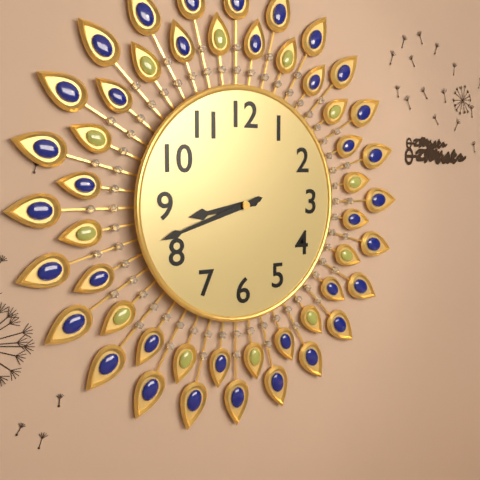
8:42
